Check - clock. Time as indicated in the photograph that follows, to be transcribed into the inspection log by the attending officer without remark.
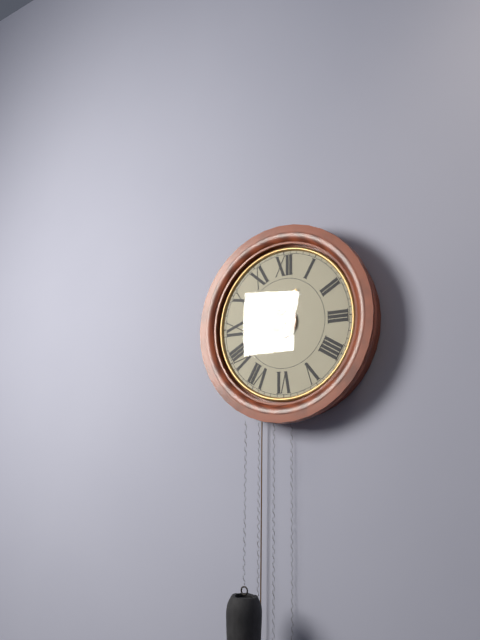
12:52
